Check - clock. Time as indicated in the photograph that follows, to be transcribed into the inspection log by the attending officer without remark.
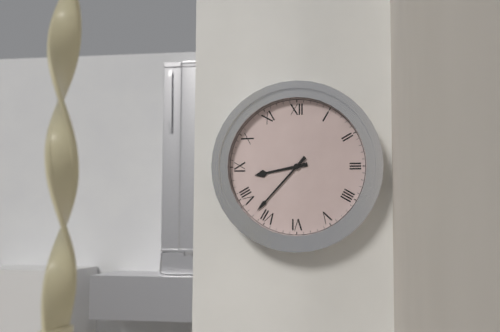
8:37
